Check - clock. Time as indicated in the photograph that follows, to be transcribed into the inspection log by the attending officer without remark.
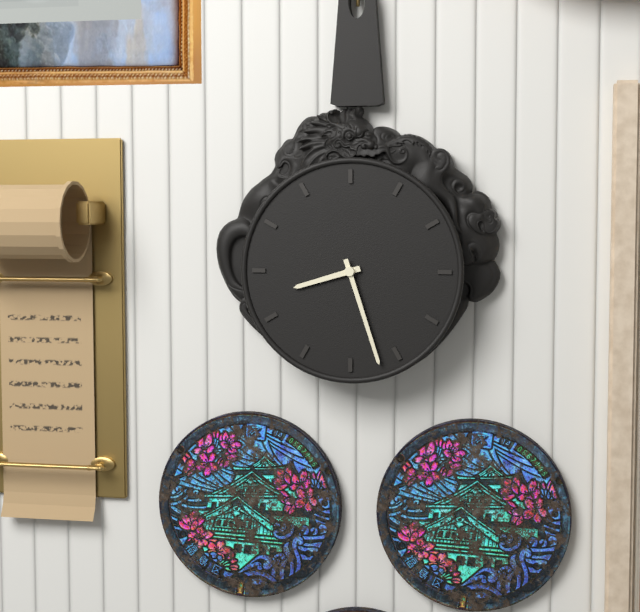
8:27
